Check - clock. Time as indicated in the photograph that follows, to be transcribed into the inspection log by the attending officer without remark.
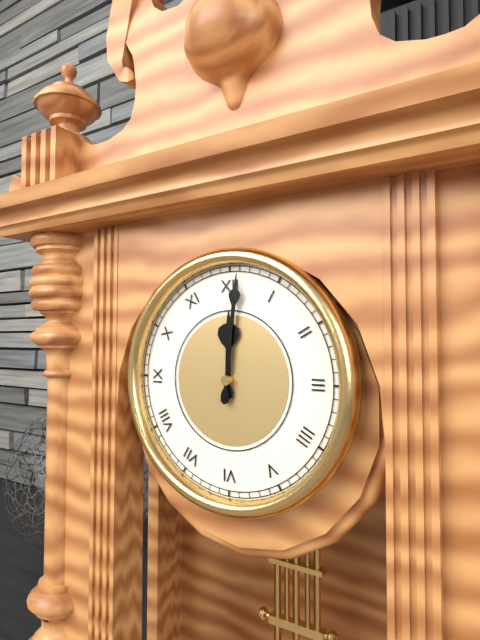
12:01
